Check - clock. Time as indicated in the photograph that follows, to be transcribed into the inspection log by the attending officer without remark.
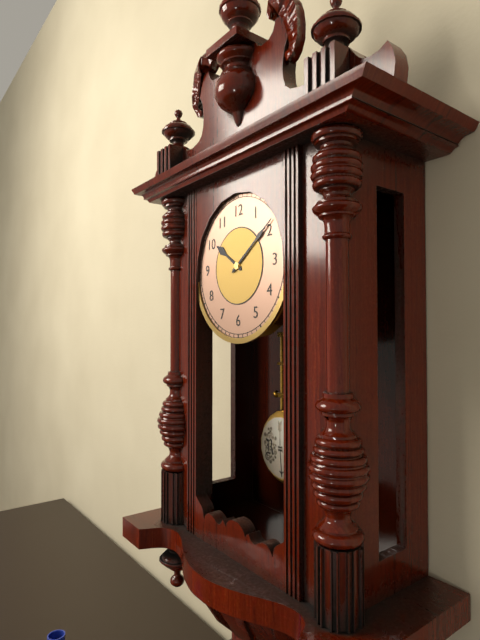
10:09
